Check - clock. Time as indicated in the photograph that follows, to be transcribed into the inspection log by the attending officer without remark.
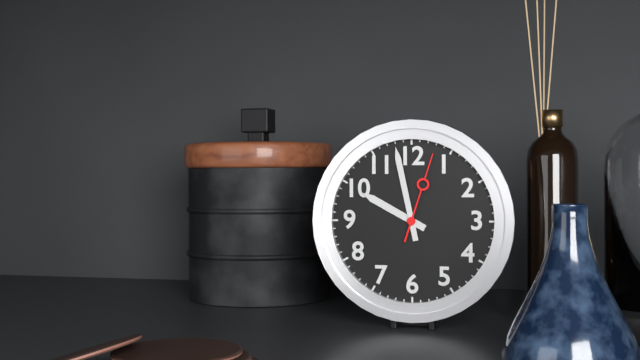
9:58:03
